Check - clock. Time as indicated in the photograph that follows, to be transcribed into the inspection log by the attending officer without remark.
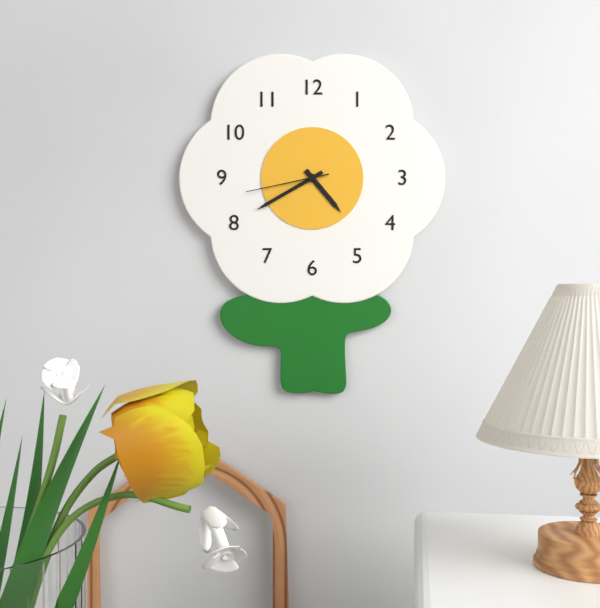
4:40:43
